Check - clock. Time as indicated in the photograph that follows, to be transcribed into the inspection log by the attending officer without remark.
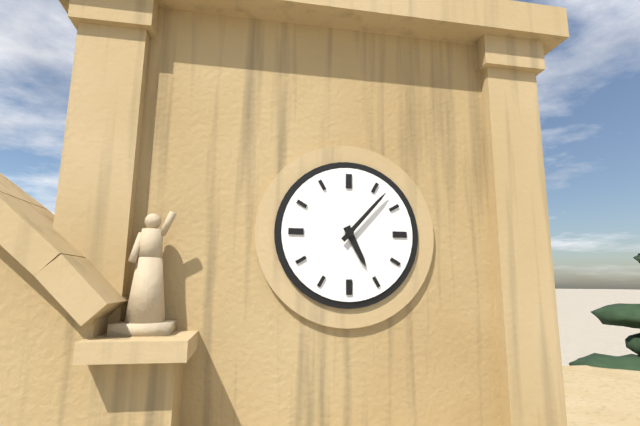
5:07
